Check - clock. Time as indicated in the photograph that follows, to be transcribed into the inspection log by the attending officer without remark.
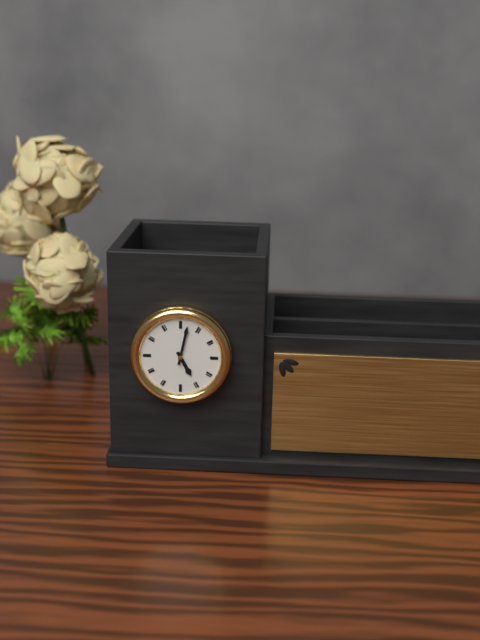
5:02
